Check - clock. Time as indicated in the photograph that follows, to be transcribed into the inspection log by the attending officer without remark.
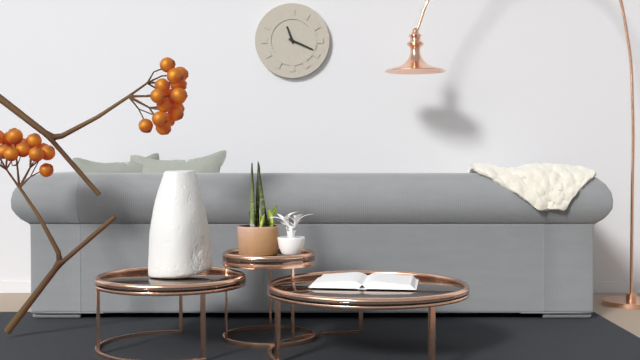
11:19
